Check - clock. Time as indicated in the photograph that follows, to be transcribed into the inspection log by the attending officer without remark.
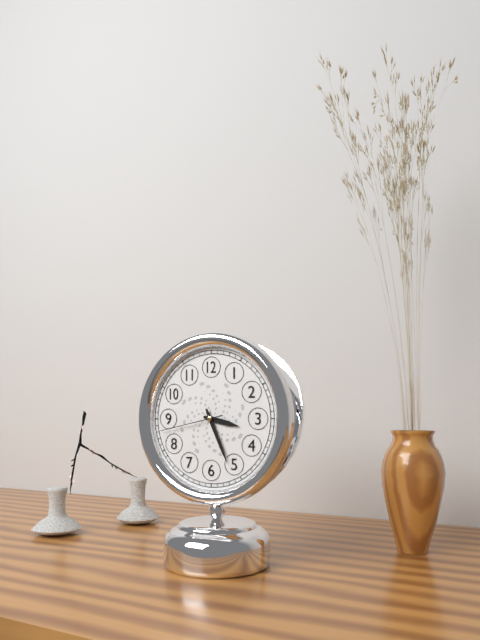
3:26:43
